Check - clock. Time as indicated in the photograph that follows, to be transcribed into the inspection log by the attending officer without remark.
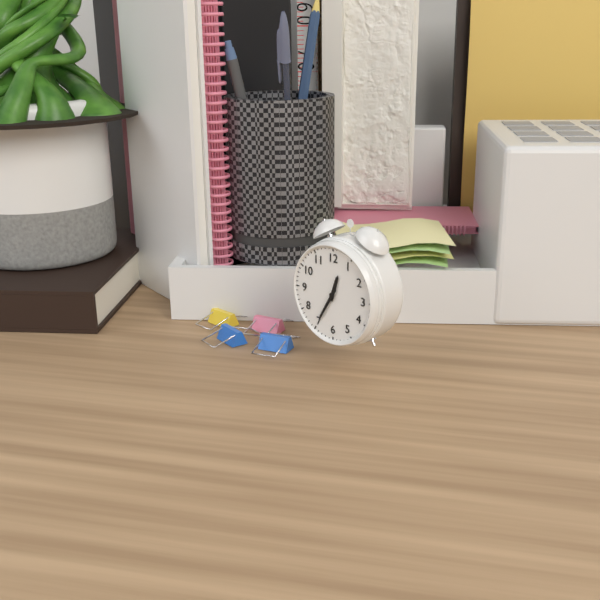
12:35
